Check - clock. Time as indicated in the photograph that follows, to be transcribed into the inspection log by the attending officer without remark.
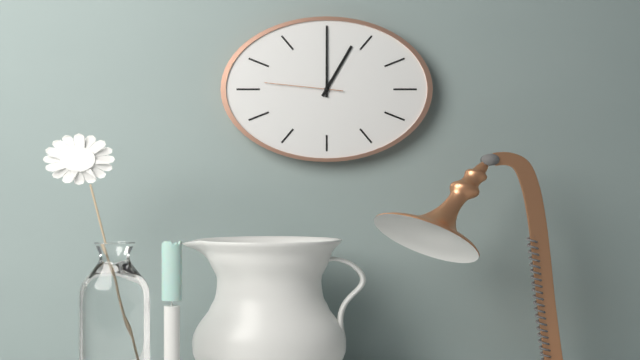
1:00:46
